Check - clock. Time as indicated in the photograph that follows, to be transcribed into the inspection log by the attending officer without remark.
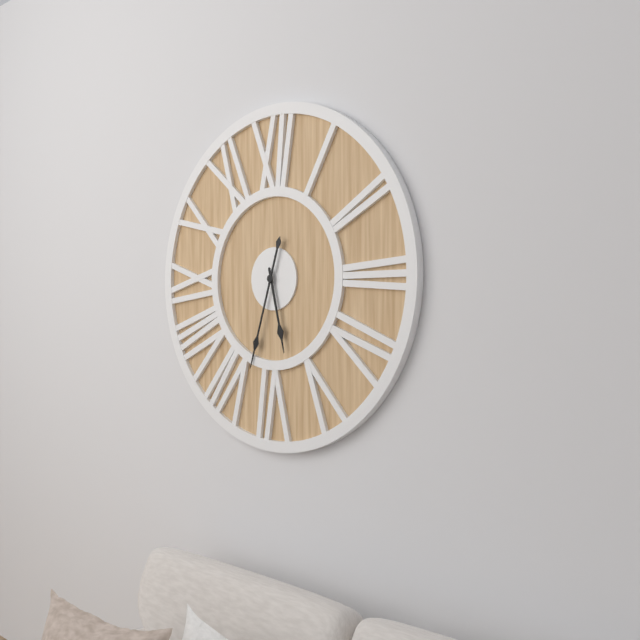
5:33
